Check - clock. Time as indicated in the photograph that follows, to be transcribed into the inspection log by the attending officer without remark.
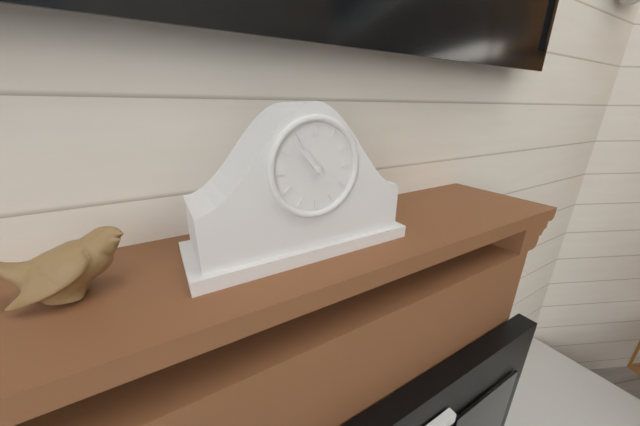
10:53
